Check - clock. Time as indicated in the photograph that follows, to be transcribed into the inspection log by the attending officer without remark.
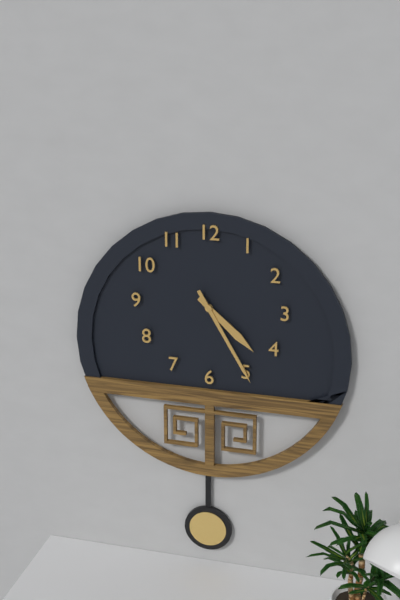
4:25
